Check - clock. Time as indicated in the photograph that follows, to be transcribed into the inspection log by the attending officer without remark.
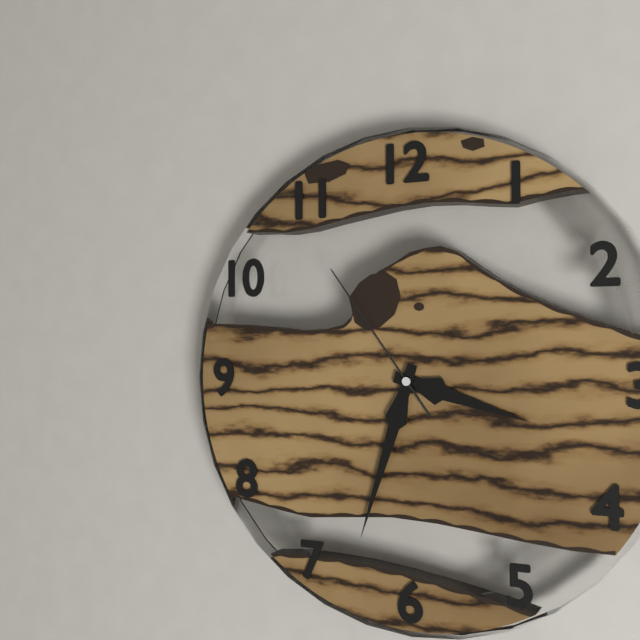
3:33:54
